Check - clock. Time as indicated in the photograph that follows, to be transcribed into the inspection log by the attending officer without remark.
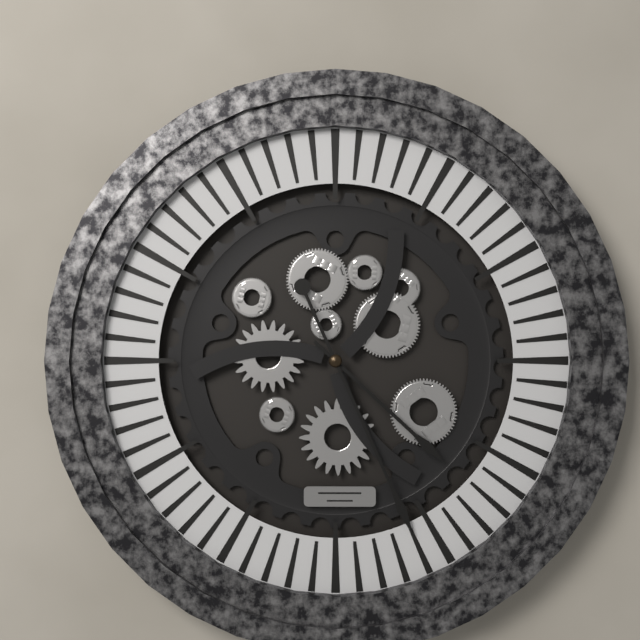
4:26
